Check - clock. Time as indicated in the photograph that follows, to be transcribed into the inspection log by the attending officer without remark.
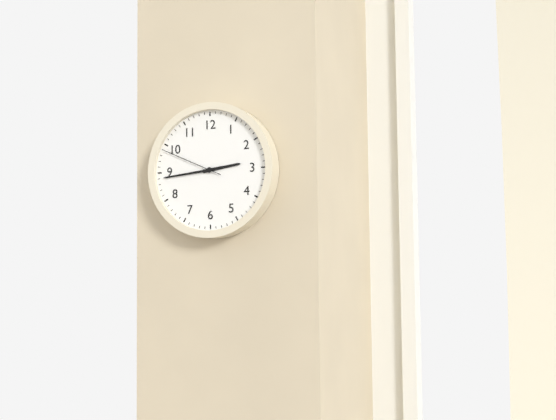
2:44:49
